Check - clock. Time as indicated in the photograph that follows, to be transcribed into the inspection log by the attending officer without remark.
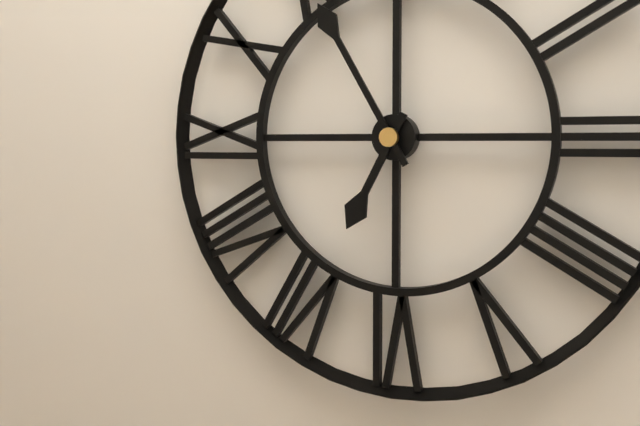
6:55
